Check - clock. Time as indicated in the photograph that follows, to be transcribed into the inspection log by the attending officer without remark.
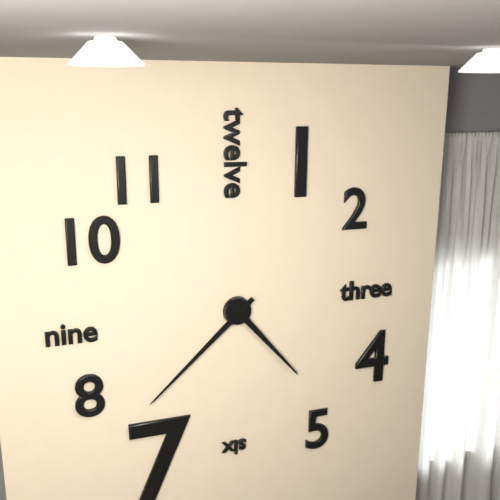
4:38
